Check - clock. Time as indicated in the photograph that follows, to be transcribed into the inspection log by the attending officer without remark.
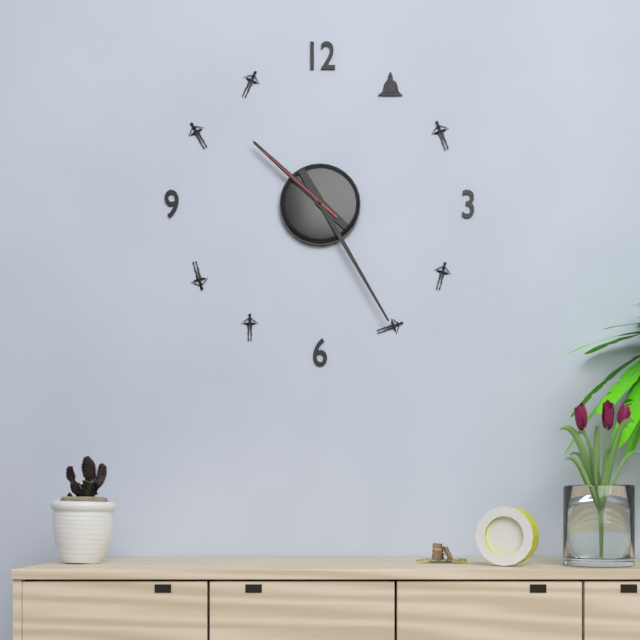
10:25:52
